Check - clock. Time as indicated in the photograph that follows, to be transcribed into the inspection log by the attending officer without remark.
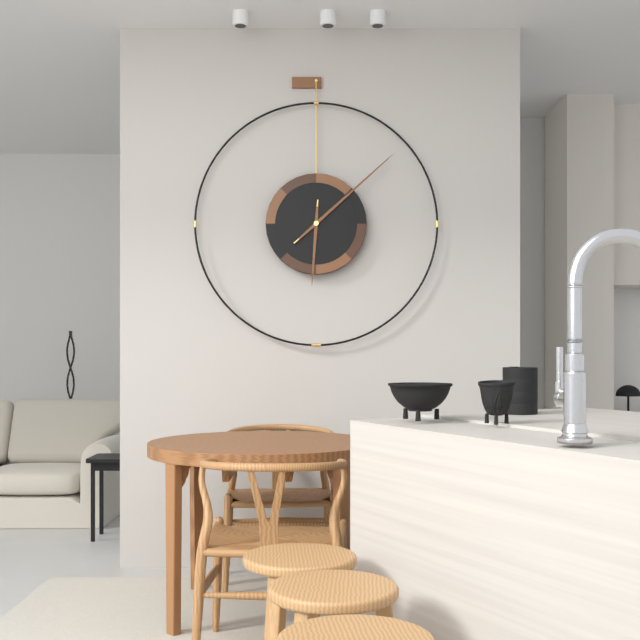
6:08
